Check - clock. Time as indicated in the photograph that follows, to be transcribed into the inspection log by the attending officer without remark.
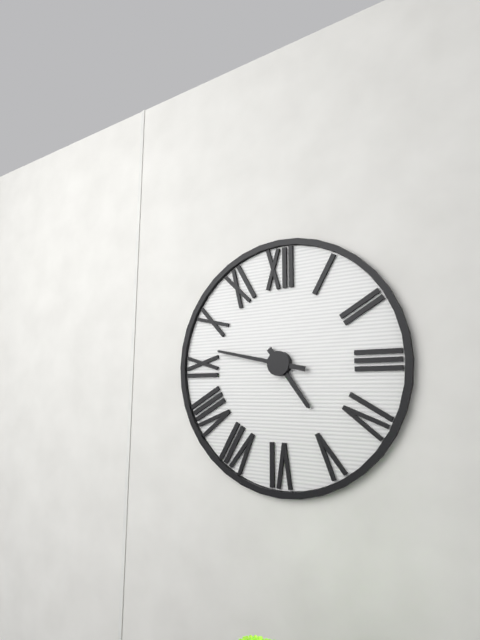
4:47
